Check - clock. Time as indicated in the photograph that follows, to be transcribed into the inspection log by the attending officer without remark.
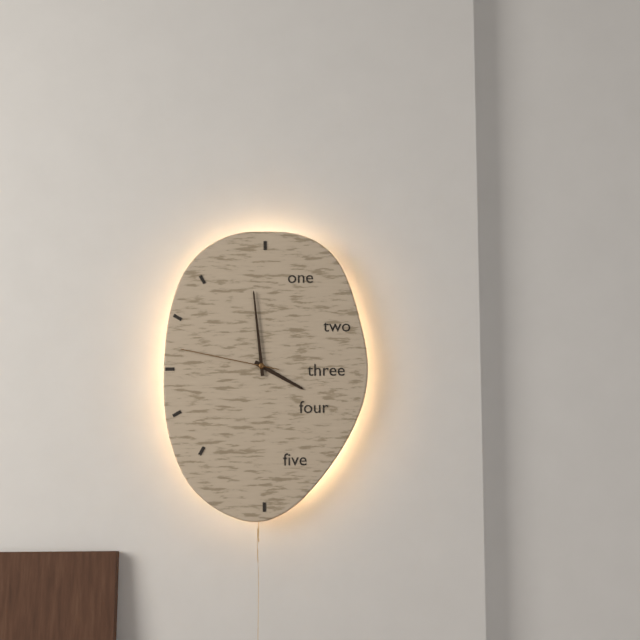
3:59:47
